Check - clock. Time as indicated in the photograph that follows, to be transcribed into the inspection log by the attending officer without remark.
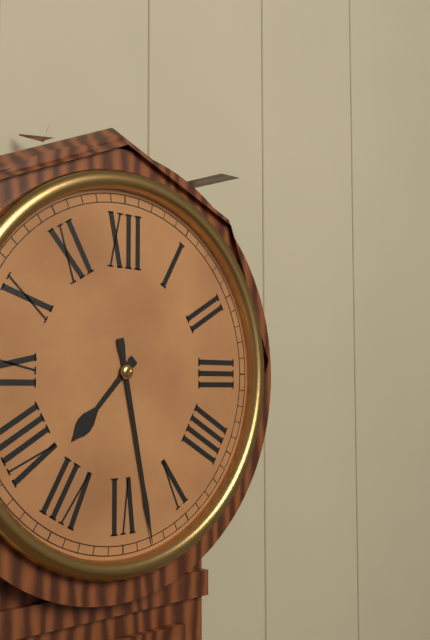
7:28
